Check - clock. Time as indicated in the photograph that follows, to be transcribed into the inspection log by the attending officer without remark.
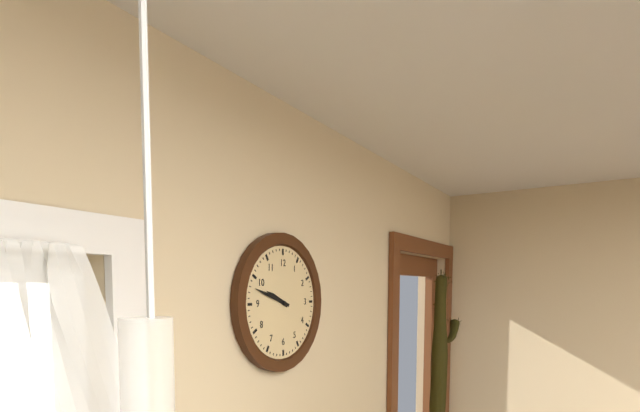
9:48
